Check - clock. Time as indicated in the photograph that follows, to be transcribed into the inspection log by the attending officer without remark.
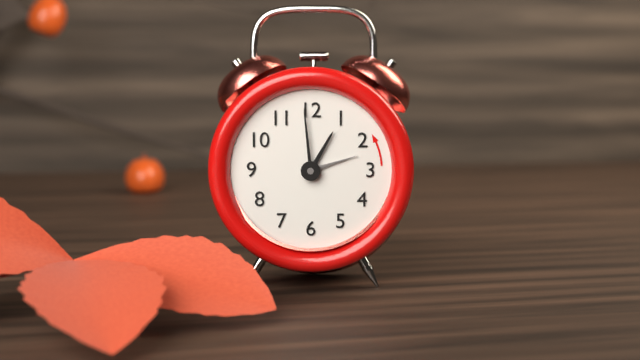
12:59:12
